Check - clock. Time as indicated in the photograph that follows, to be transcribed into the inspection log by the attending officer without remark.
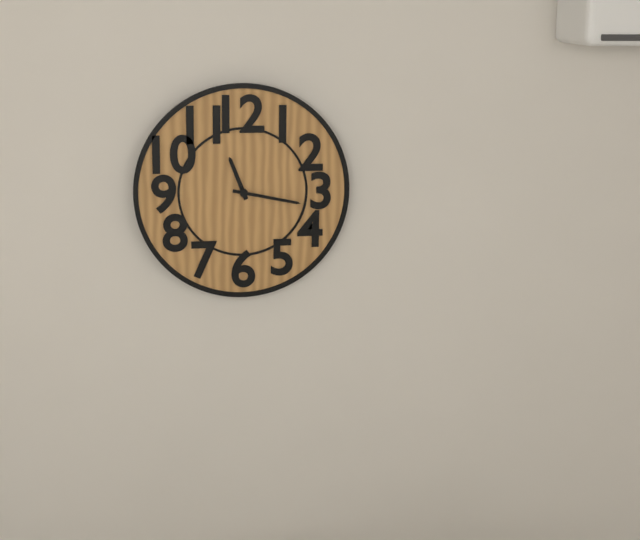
11:17
